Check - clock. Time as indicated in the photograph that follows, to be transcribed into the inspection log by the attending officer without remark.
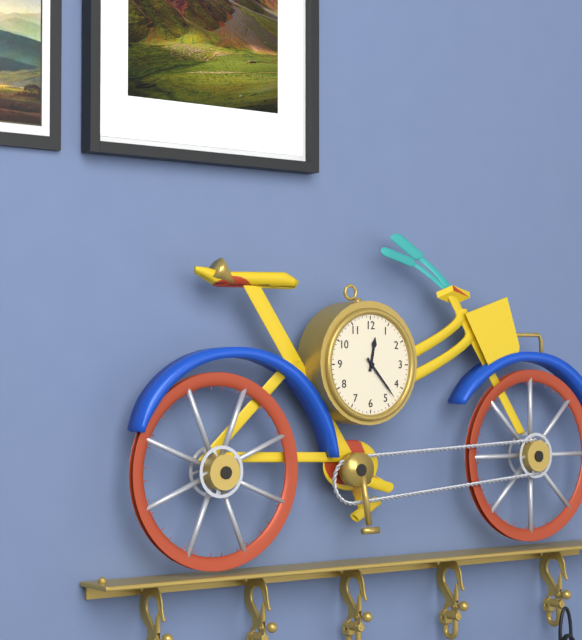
12:23
